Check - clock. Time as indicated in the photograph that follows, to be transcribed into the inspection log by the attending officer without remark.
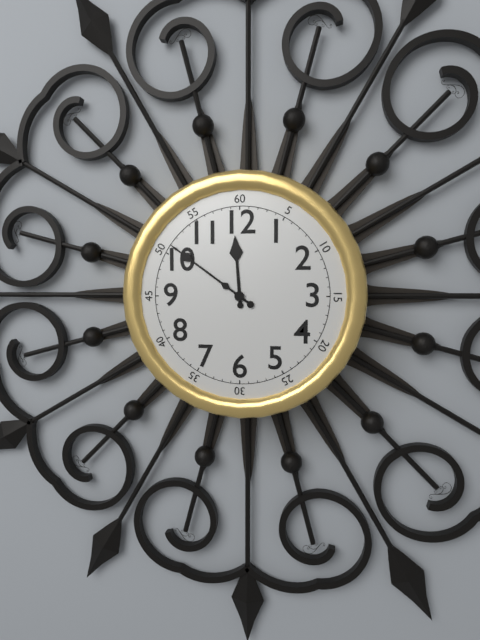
11:51
